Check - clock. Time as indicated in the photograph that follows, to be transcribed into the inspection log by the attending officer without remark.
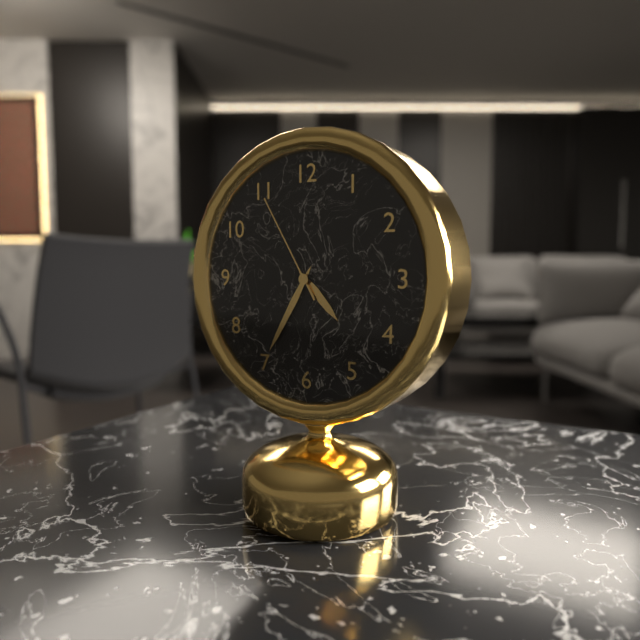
4:35:55
